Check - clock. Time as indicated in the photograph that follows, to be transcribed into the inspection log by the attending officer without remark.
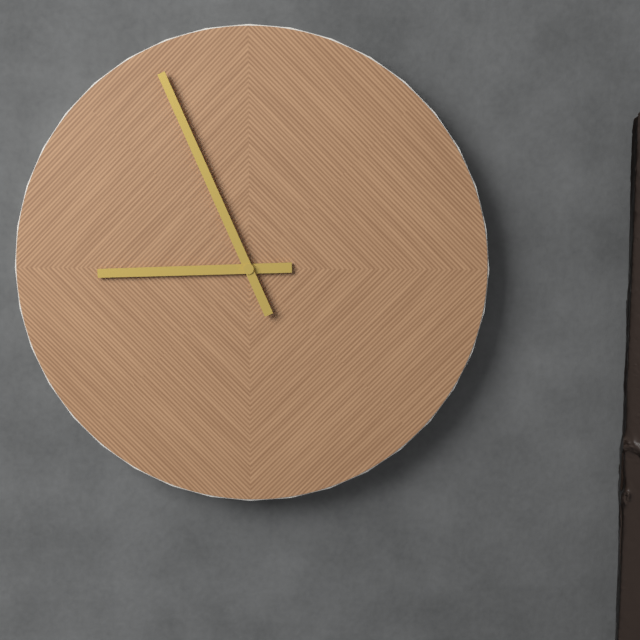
8:56
